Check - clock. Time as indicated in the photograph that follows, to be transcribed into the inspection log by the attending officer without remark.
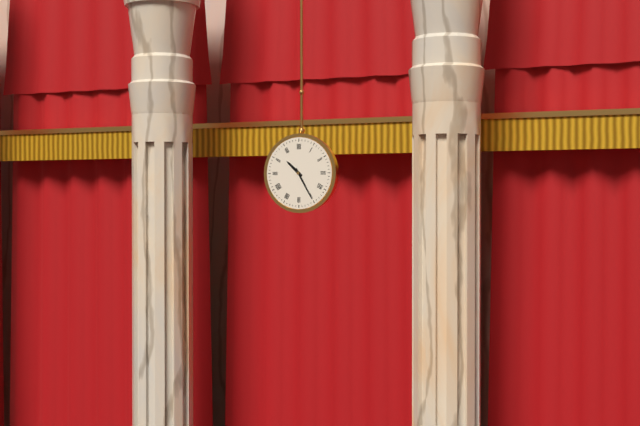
10:25
